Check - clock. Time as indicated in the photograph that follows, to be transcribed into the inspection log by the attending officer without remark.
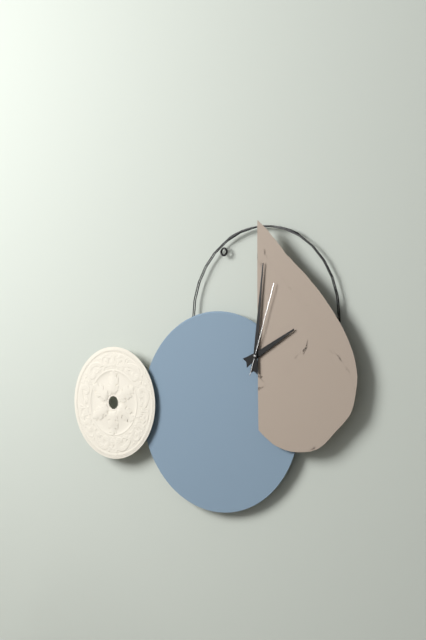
2:01:03
